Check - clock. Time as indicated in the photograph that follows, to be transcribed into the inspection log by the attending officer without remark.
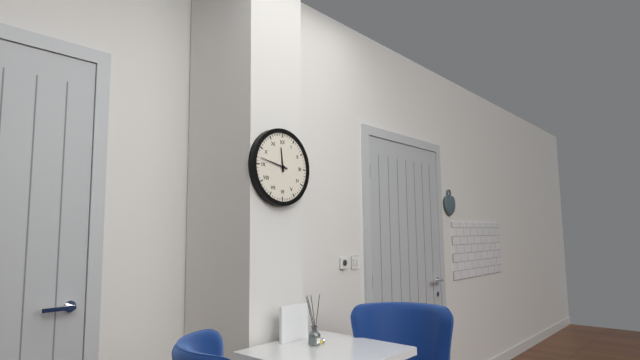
11:47
